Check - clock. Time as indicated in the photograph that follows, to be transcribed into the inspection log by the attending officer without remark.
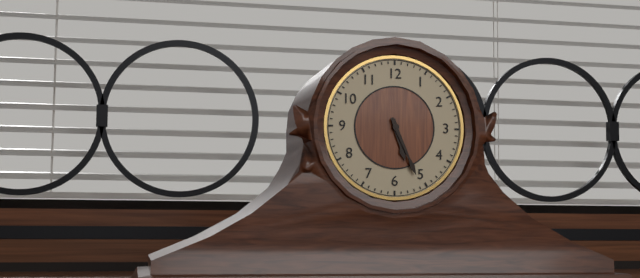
5:26
